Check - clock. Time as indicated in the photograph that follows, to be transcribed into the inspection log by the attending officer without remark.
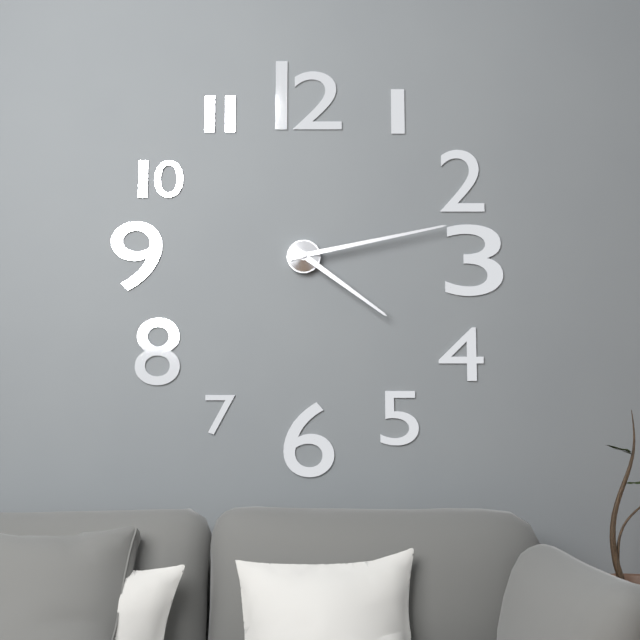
4:13
